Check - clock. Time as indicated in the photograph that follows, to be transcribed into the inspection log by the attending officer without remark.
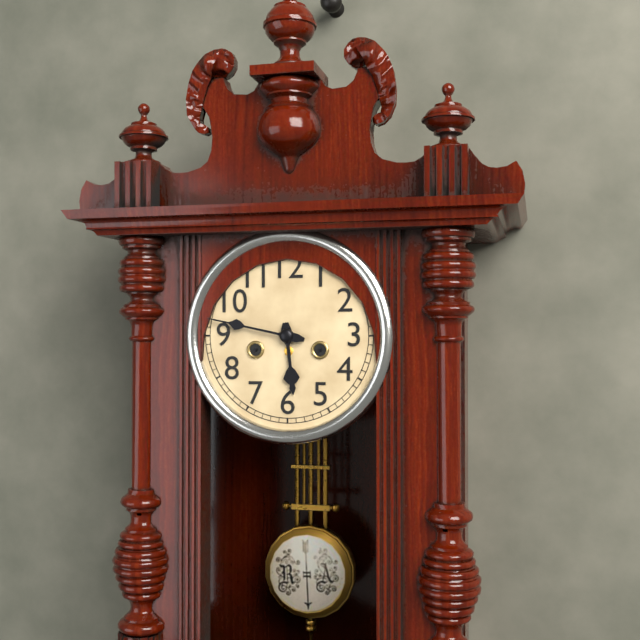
5:47
